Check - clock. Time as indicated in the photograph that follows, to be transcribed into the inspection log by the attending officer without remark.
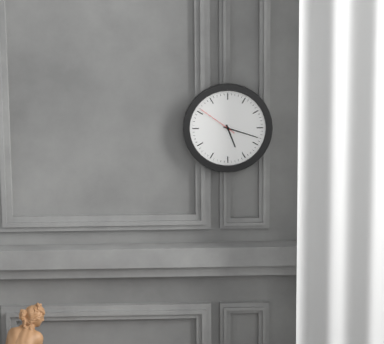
5:18
